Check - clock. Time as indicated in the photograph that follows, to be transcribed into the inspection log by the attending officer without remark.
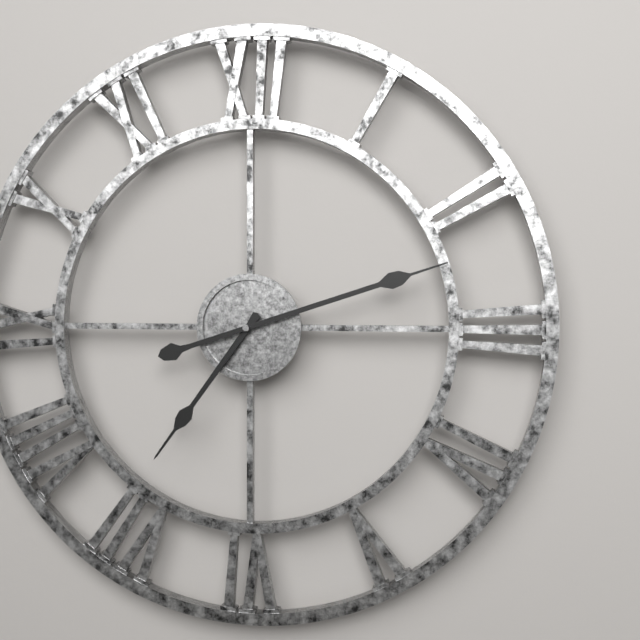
7:12
